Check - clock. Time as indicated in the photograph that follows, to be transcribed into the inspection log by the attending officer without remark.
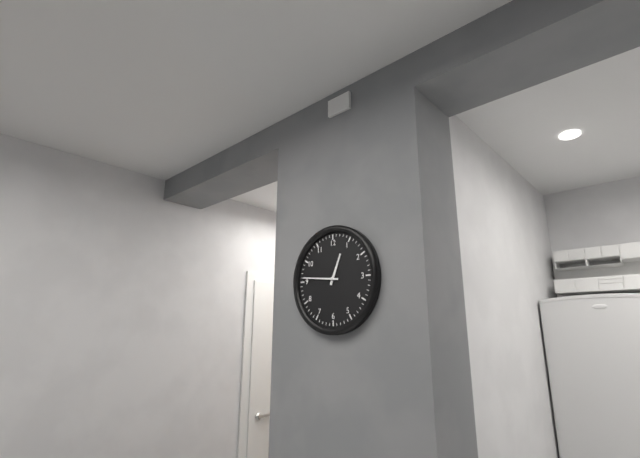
12:46
